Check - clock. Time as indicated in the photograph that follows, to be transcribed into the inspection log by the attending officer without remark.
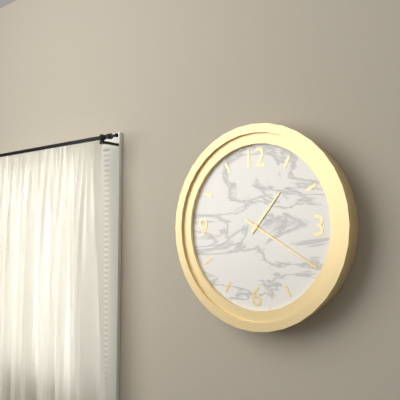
1:20
